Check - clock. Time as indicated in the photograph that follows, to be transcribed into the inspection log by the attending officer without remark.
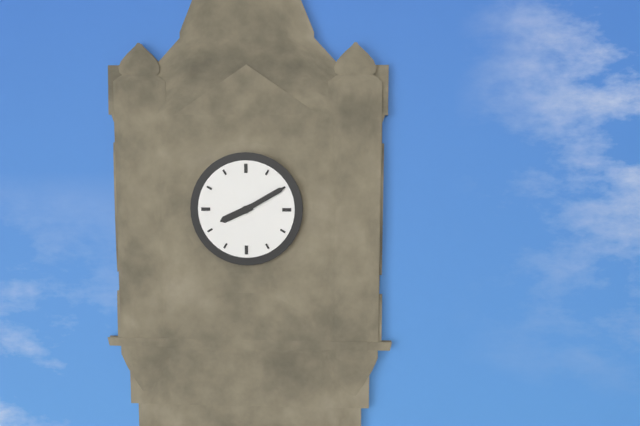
8:10
